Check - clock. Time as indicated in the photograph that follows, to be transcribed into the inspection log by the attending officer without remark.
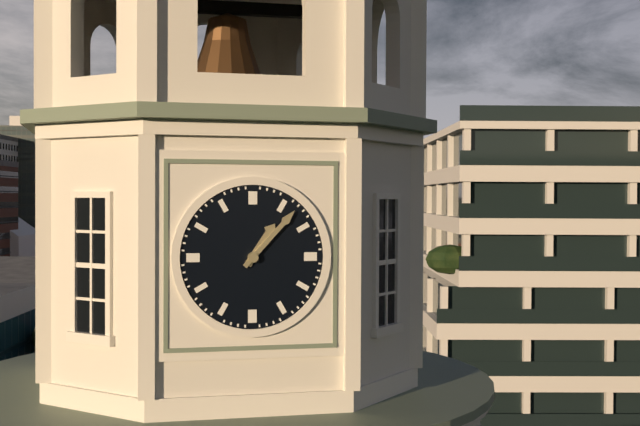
1:07
